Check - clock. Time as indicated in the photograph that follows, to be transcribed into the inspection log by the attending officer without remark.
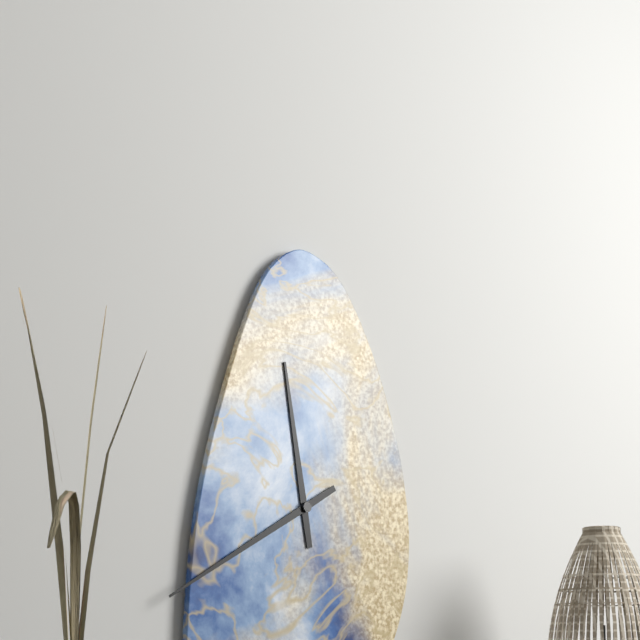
11:40
